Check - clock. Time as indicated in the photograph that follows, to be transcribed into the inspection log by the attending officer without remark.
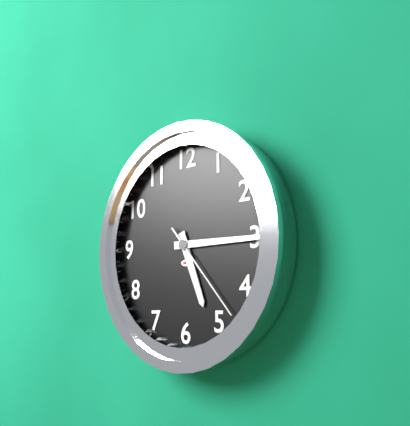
5:15:23
